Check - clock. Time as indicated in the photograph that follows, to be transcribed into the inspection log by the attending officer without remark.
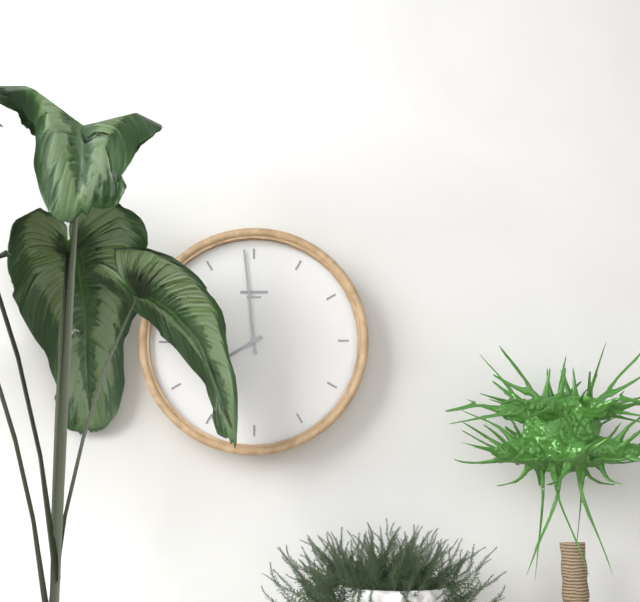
7:59
